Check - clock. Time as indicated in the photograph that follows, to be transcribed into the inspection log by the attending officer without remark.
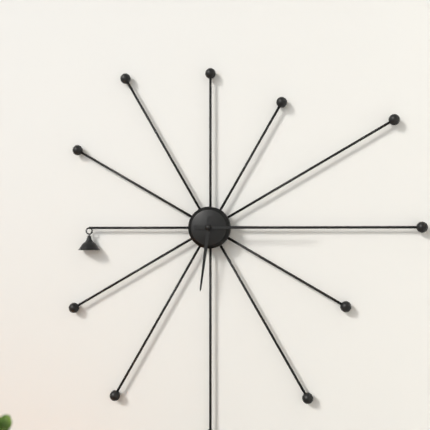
6:15
